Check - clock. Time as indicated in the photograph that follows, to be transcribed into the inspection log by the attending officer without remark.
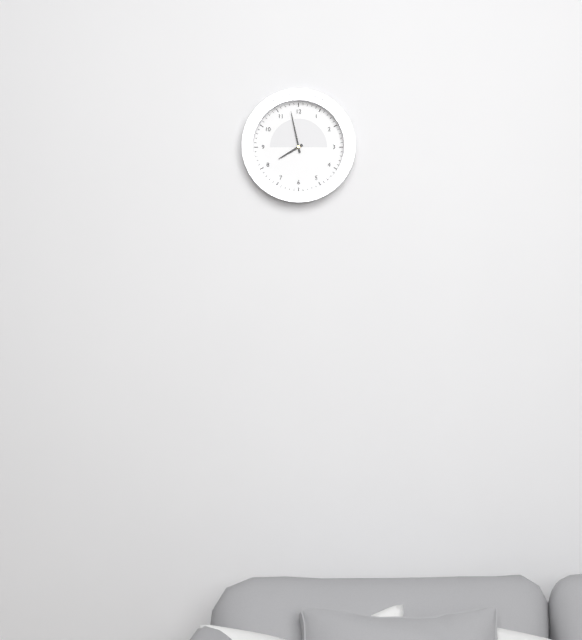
7:58
